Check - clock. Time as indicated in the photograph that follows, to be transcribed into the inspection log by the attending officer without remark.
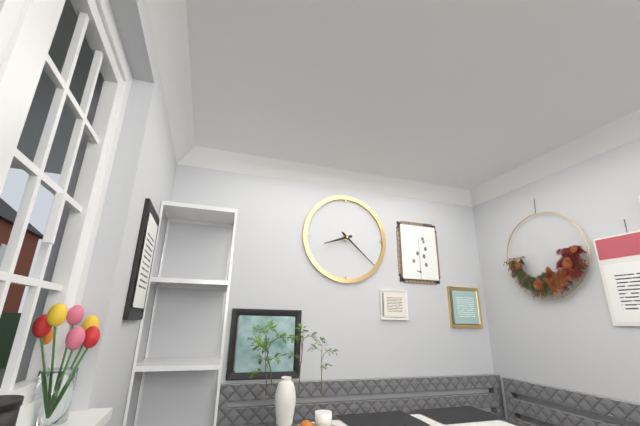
8:22
